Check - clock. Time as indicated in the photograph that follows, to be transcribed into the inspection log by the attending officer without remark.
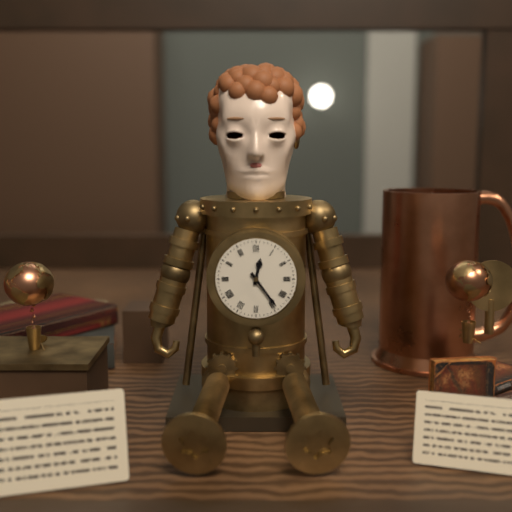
12:24
